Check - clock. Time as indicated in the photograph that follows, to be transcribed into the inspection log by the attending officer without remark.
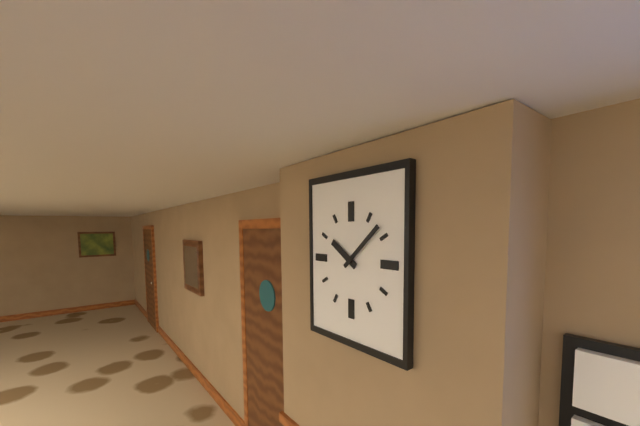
10:08
